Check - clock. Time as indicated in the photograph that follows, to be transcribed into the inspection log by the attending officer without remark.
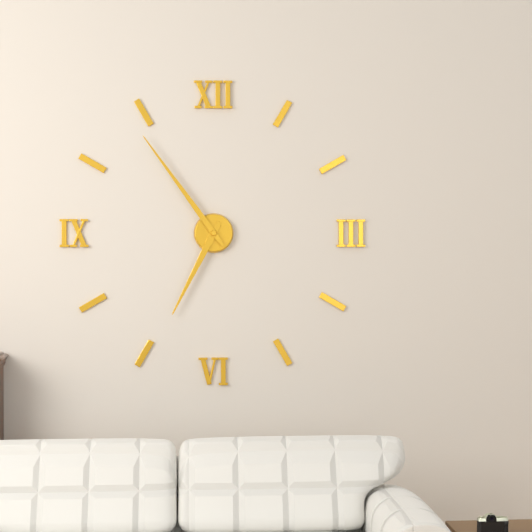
6:54
